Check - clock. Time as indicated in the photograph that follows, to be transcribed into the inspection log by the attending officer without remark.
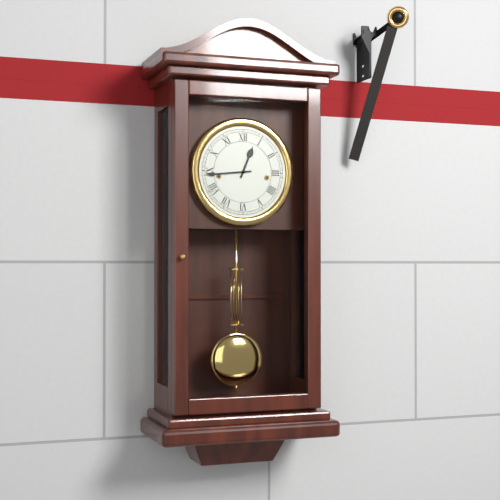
12:44
